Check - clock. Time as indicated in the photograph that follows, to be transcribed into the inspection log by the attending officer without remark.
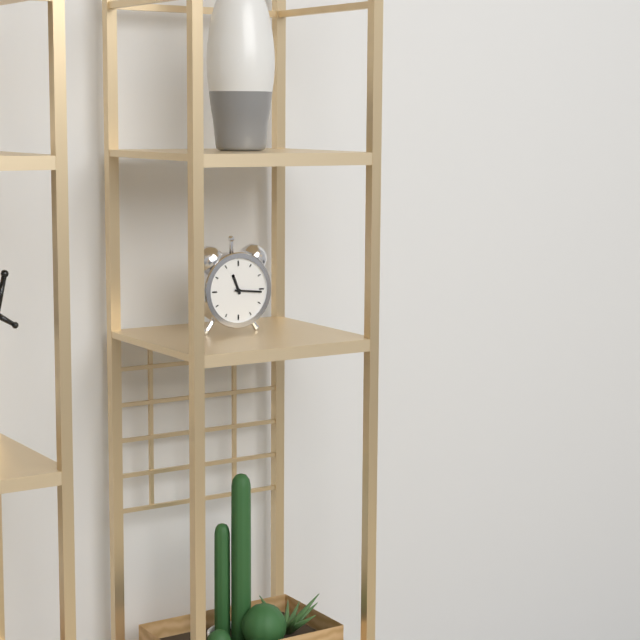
11:16
